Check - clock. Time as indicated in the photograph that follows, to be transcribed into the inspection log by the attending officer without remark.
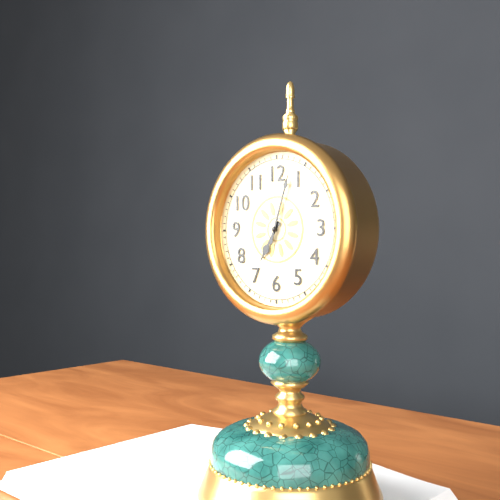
7:03
